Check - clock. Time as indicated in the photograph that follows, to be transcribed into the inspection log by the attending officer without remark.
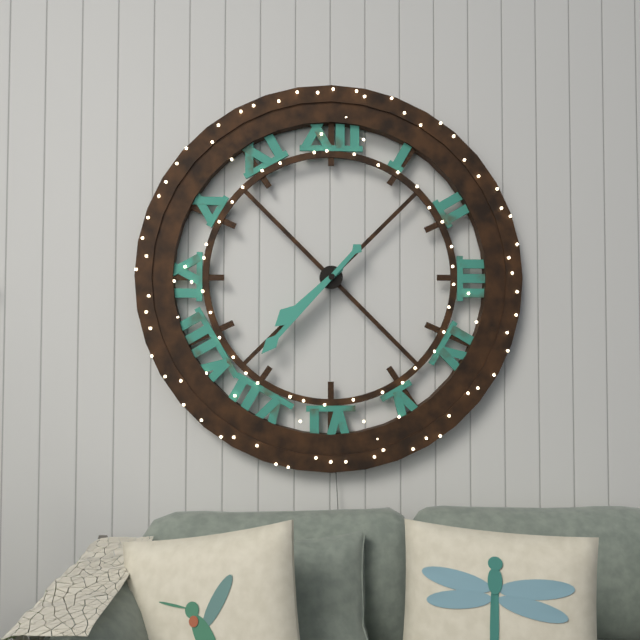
7:37
